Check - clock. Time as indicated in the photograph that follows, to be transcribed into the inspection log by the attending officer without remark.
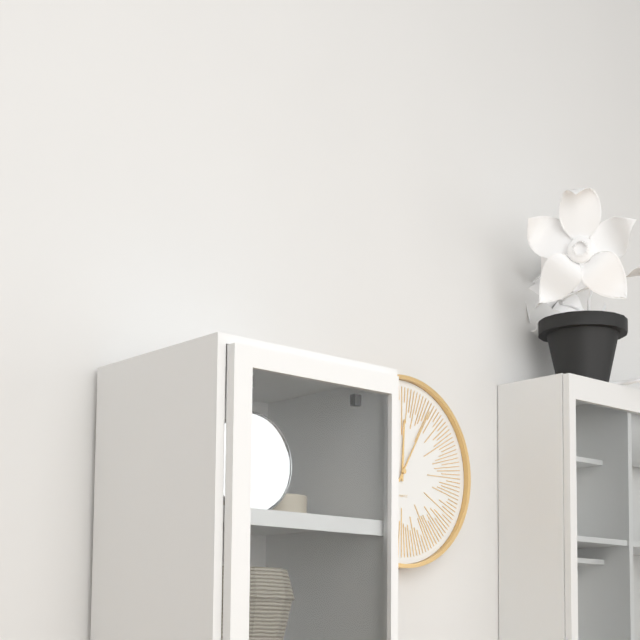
12:05
